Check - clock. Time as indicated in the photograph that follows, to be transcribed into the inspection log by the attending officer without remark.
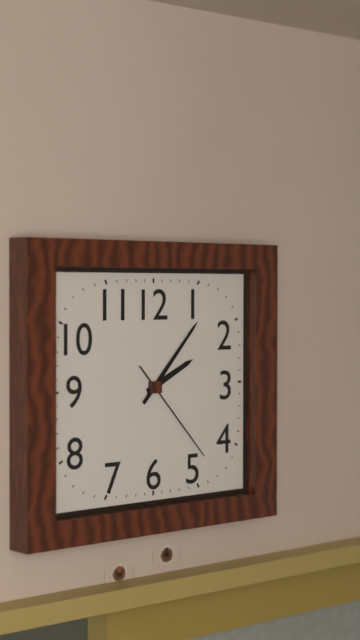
2:07:23
